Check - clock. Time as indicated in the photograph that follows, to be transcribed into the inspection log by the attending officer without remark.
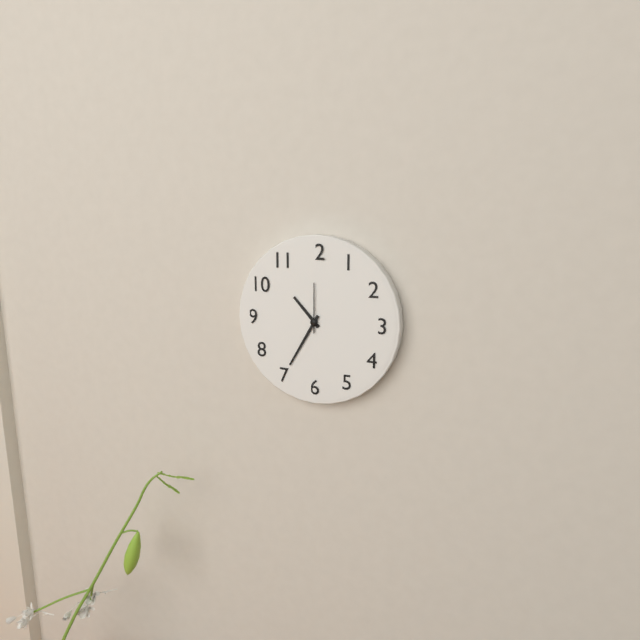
10:35
